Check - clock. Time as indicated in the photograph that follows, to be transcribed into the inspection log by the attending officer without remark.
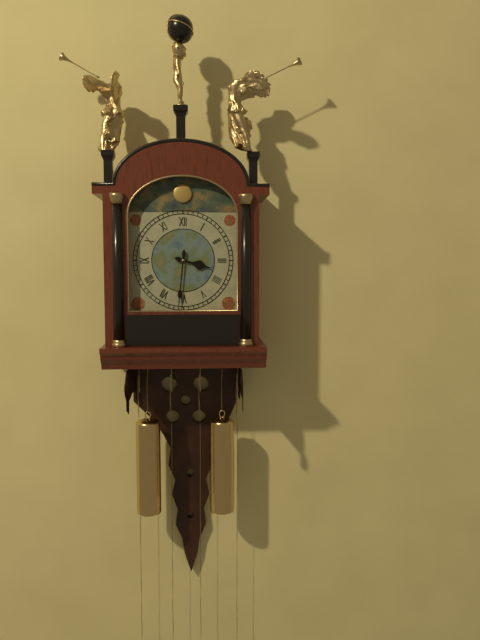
3:31
